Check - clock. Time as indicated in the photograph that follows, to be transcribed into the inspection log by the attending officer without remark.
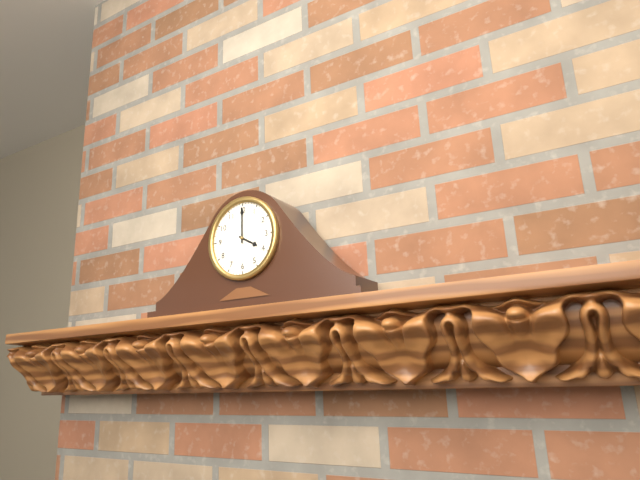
4:00
